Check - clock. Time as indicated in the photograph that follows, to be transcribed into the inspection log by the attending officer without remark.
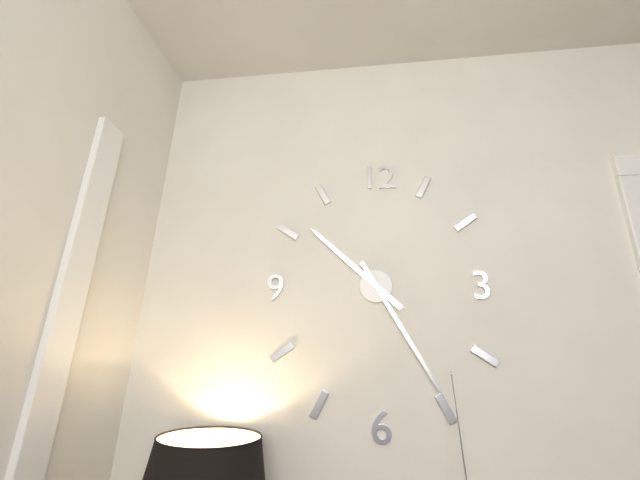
10:25
